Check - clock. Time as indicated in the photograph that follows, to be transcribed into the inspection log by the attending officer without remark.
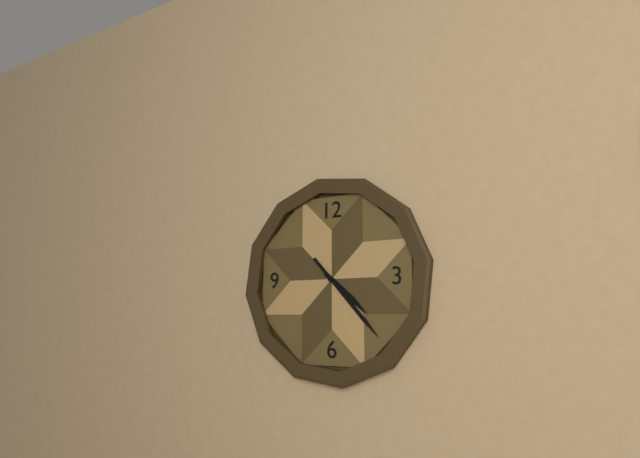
4:23
